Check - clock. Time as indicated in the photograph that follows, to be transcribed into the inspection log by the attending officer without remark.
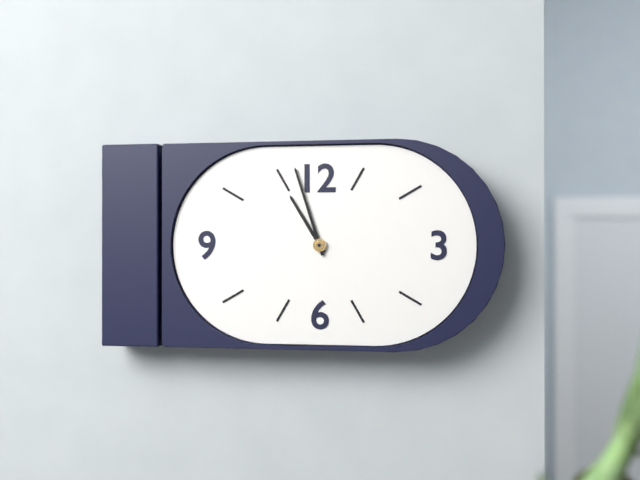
10:57
